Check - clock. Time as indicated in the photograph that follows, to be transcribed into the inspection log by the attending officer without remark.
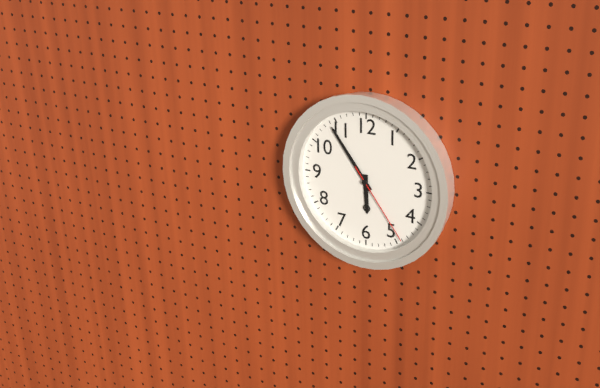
5:54:24
